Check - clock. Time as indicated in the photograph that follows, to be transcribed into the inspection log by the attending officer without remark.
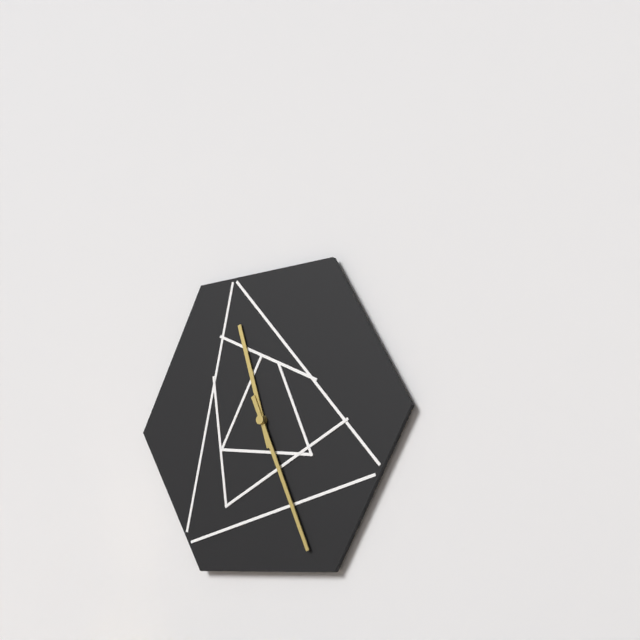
11:26
